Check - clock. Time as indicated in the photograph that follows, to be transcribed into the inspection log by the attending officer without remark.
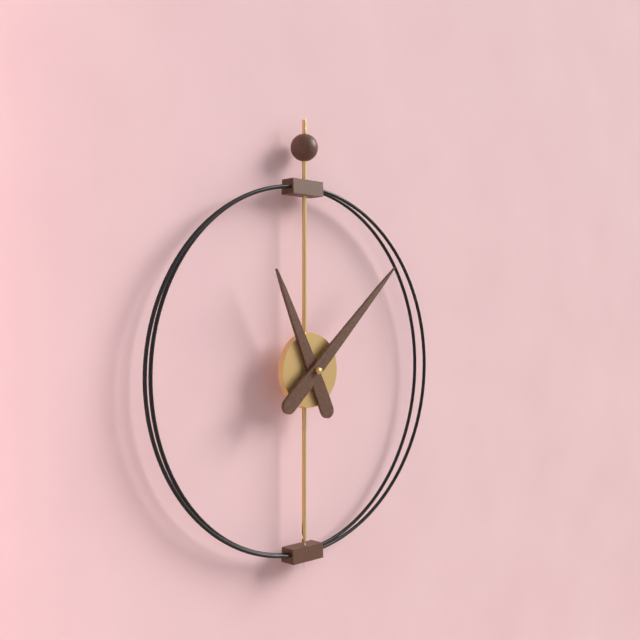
11:08
